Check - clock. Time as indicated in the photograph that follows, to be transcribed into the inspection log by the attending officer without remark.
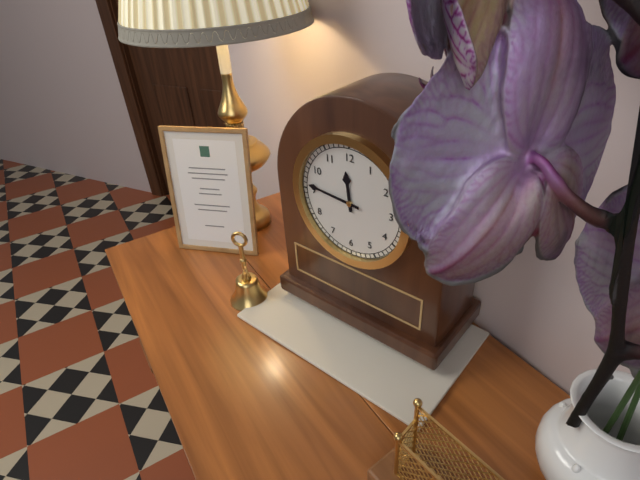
11:46
